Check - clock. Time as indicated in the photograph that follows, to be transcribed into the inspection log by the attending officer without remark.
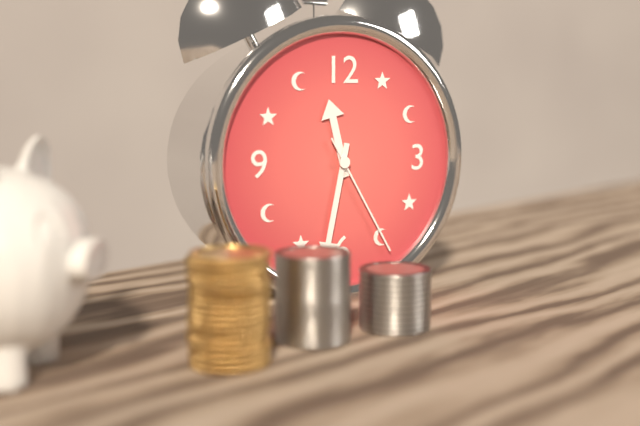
11:32:25
